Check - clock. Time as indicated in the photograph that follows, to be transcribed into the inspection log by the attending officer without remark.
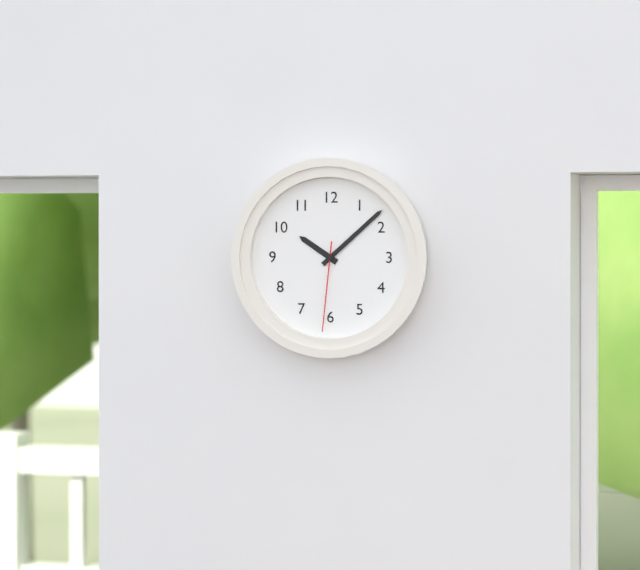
10:08:31
